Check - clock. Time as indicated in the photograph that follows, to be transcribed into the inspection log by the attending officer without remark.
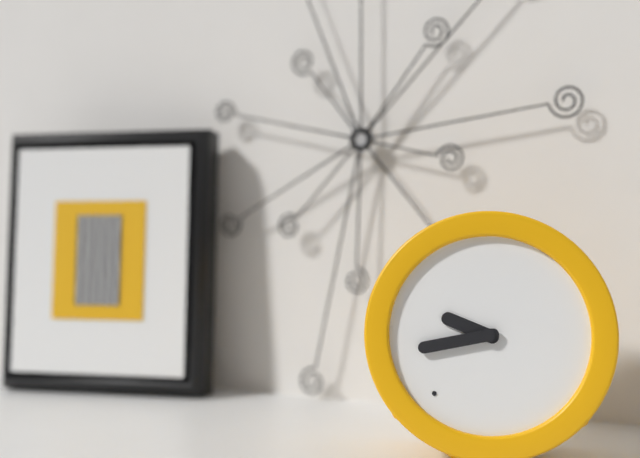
9:43
